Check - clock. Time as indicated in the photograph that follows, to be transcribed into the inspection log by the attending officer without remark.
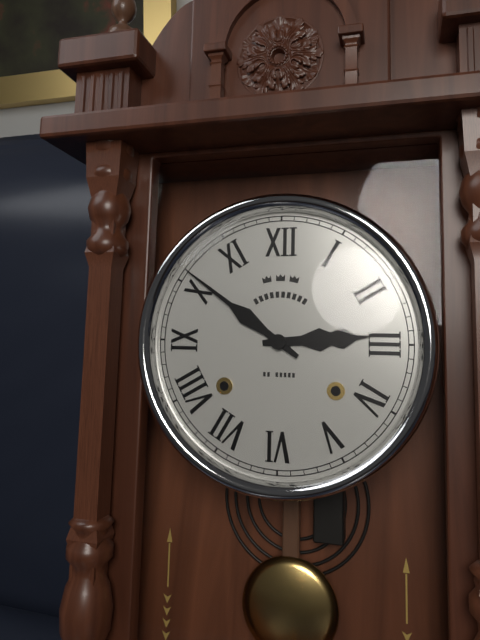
2:51
